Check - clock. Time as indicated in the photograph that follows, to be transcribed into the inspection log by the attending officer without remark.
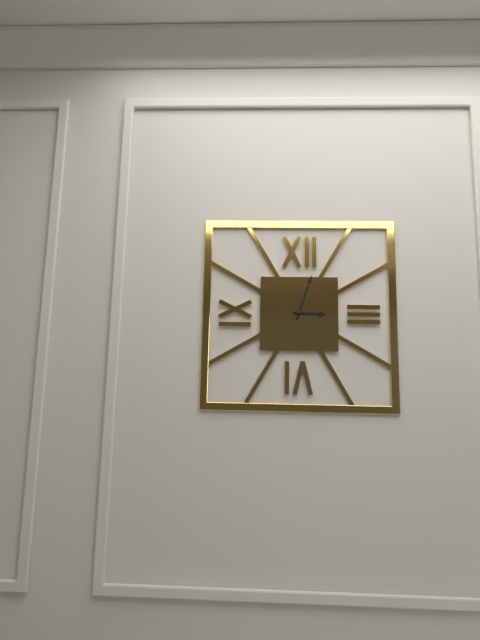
3:03
